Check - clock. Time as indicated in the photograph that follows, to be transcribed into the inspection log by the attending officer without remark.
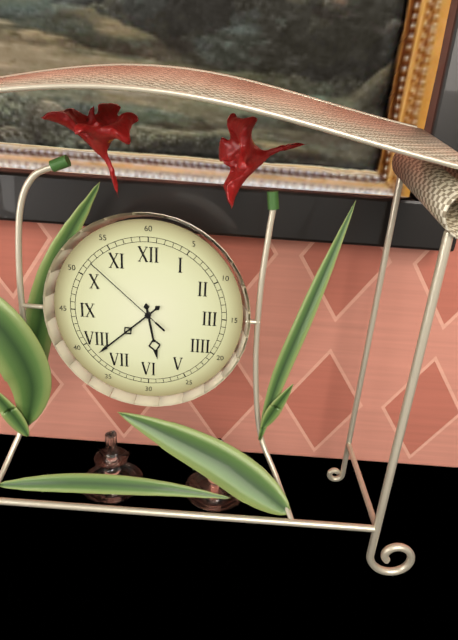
5:38:52
